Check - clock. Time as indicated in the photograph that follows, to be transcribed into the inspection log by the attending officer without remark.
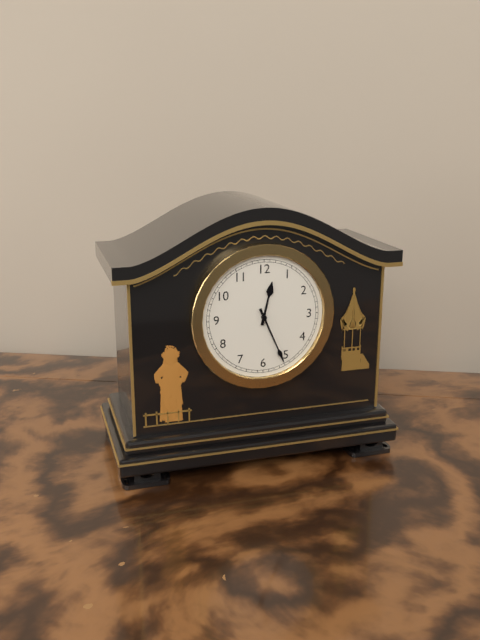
12:26
